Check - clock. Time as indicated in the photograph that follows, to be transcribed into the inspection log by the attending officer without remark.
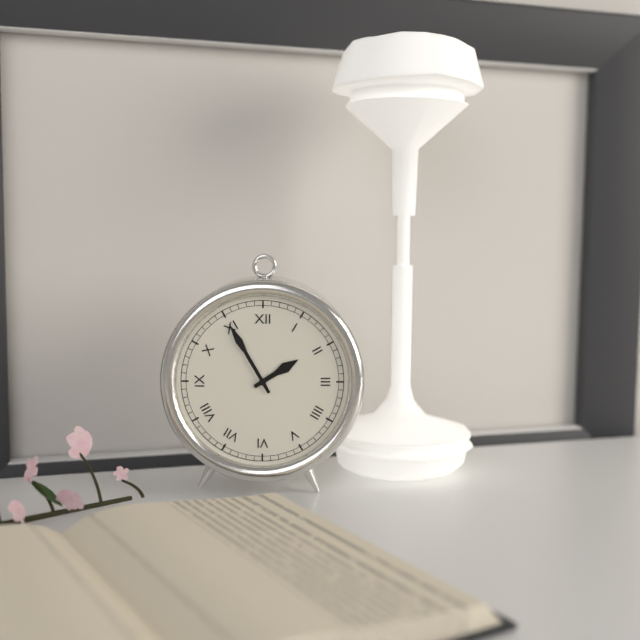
1:55
